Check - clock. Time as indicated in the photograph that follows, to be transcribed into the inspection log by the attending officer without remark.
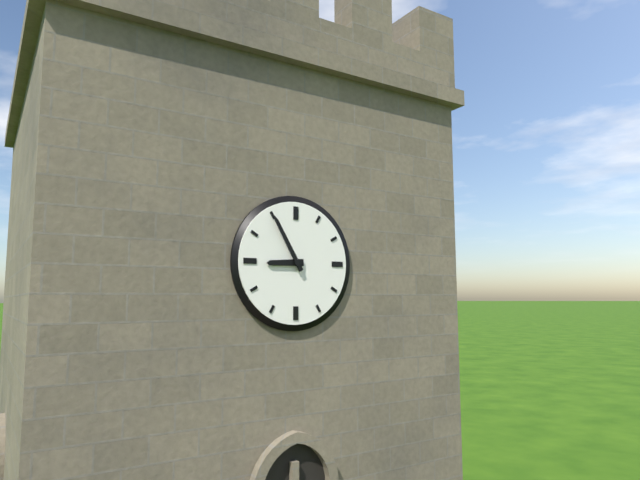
8:55
